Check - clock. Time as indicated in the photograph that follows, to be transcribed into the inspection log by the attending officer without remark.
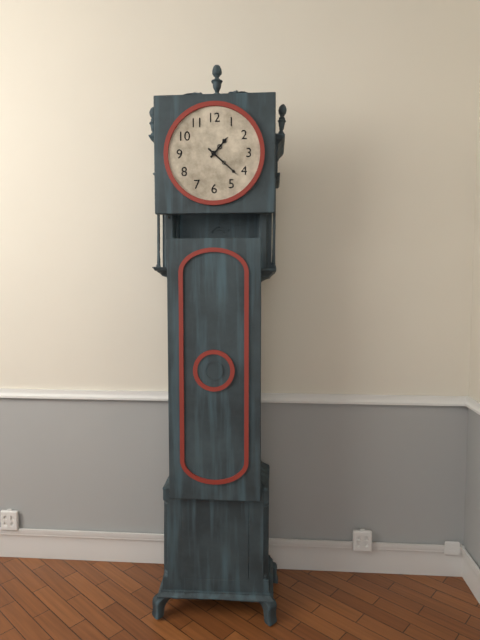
1:22
